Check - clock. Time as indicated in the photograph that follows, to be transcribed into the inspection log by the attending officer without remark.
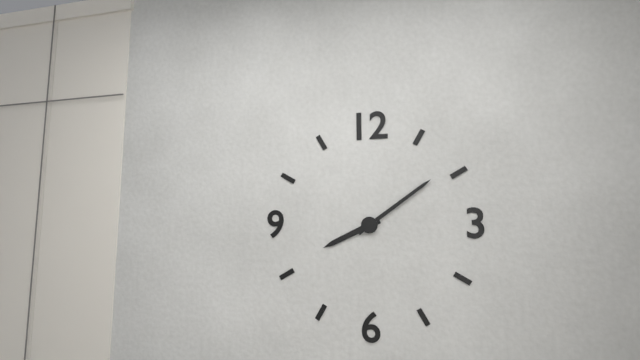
8:09
